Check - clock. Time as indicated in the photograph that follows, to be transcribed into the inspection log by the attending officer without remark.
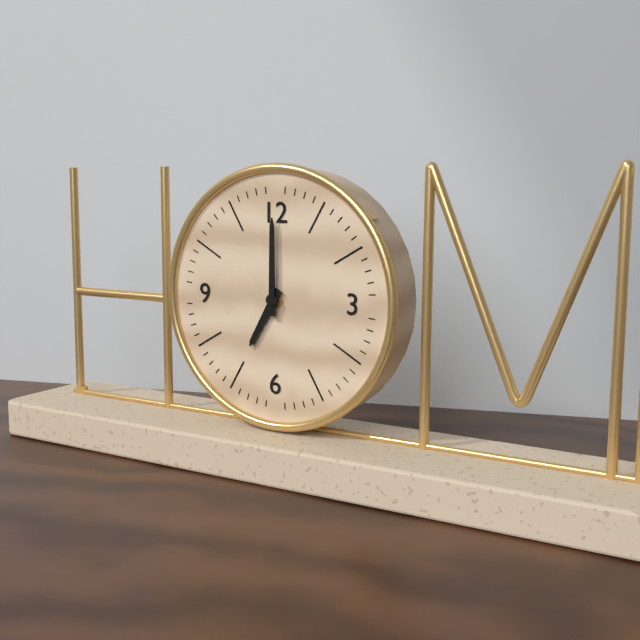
7:00
